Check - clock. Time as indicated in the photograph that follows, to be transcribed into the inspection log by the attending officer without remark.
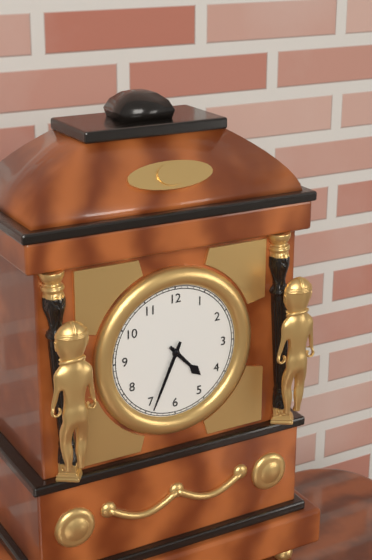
4:34
